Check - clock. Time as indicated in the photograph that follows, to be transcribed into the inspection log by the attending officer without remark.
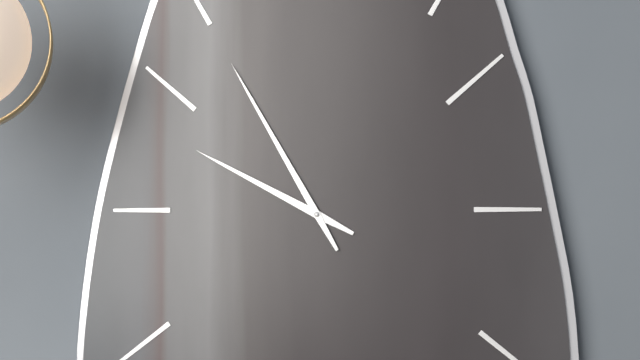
9:55
